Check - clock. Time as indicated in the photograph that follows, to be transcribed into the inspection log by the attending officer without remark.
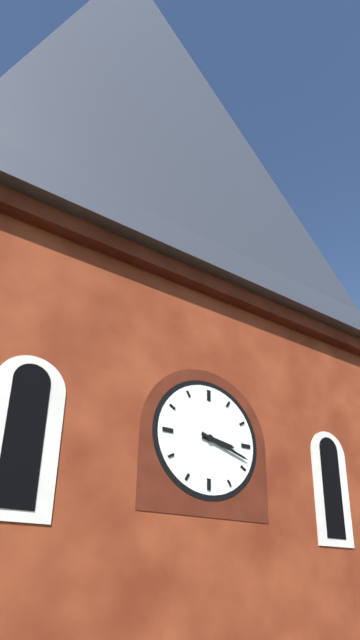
3:18
